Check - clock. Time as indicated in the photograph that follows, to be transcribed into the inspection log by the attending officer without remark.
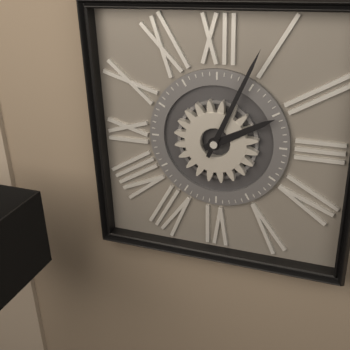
2:04
